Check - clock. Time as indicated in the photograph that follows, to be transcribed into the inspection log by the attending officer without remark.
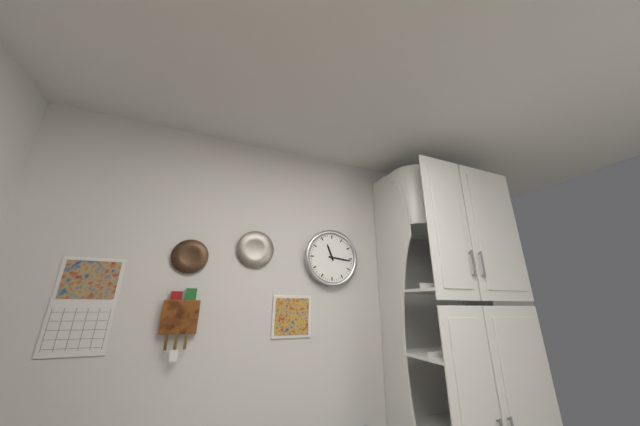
11:16
